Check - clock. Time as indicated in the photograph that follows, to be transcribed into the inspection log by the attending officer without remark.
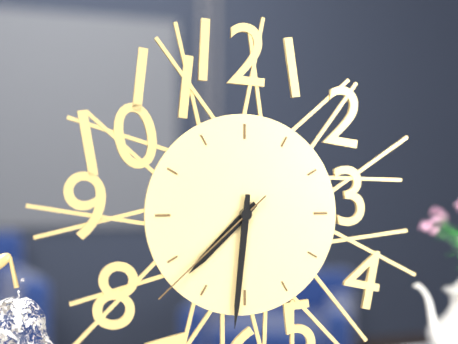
7:31:38
